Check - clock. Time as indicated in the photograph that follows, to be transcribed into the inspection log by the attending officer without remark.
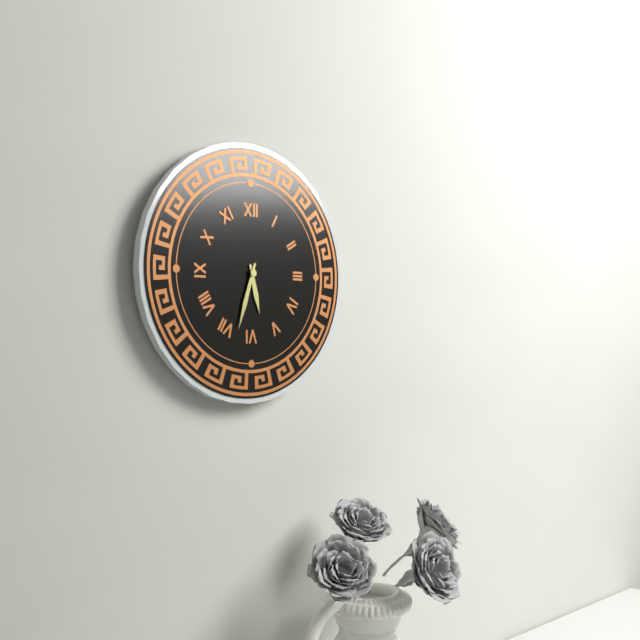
5:33
